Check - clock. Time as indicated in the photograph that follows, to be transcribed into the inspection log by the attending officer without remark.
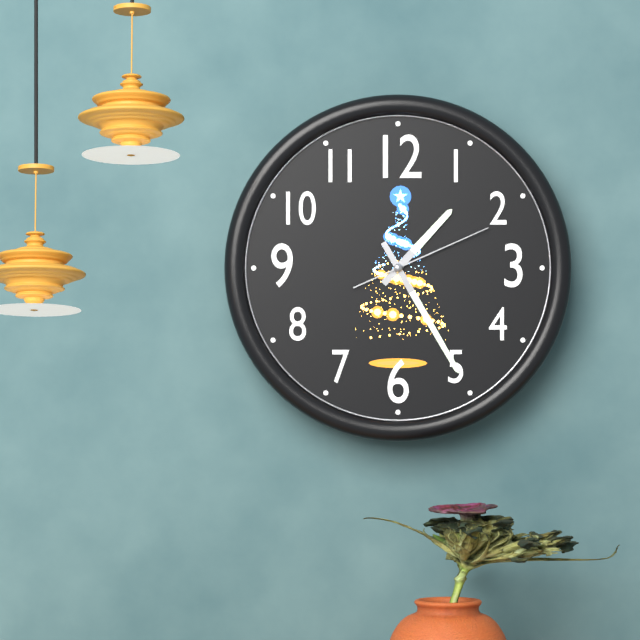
1:25:11
